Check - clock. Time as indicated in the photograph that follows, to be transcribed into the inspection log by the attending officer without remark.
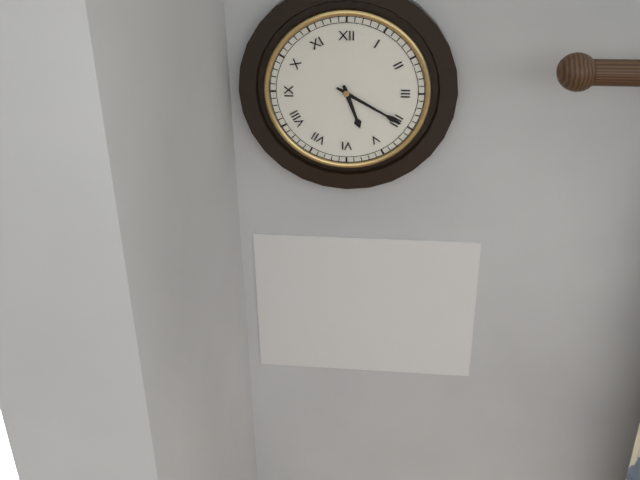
5:20
